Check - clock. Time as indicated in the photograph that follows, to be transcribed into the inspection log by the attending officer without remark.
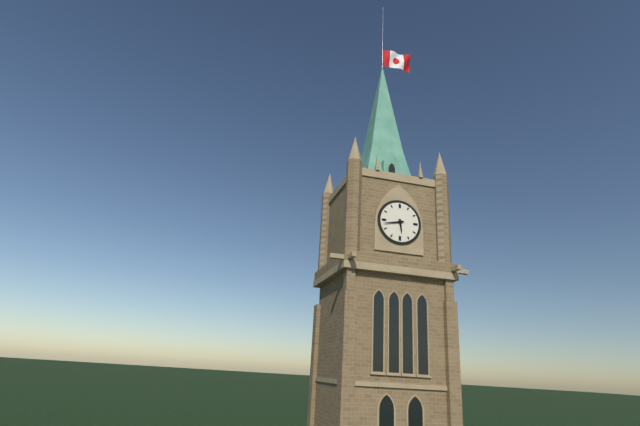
5:43
